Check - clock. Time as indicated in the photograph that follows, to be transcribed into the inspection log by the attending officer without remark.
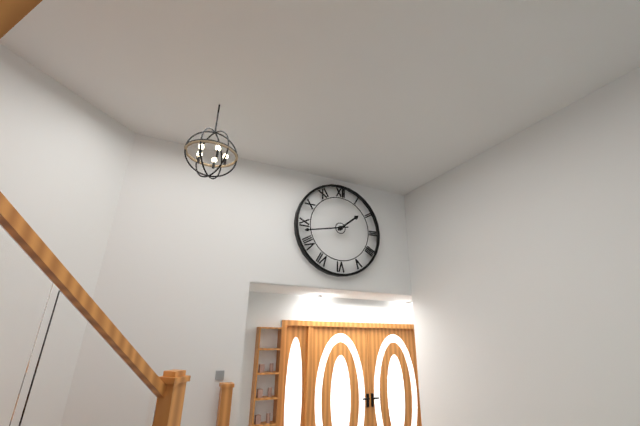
1:43
